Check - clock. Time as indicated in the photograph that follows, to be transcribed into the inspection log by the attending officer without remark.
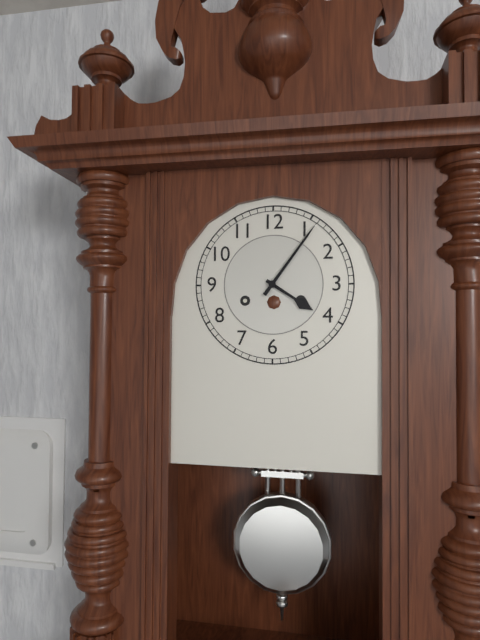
4:06
